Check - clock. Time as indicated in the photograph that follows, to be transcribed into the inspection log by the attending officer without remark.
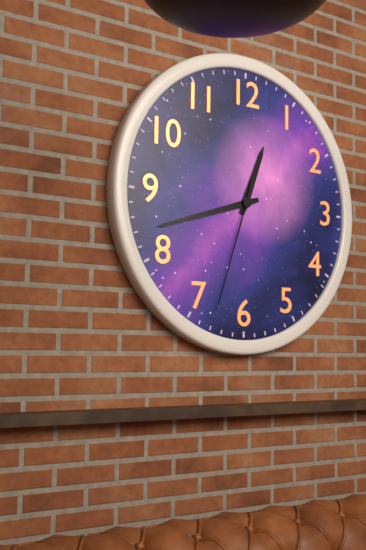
12:42:33
